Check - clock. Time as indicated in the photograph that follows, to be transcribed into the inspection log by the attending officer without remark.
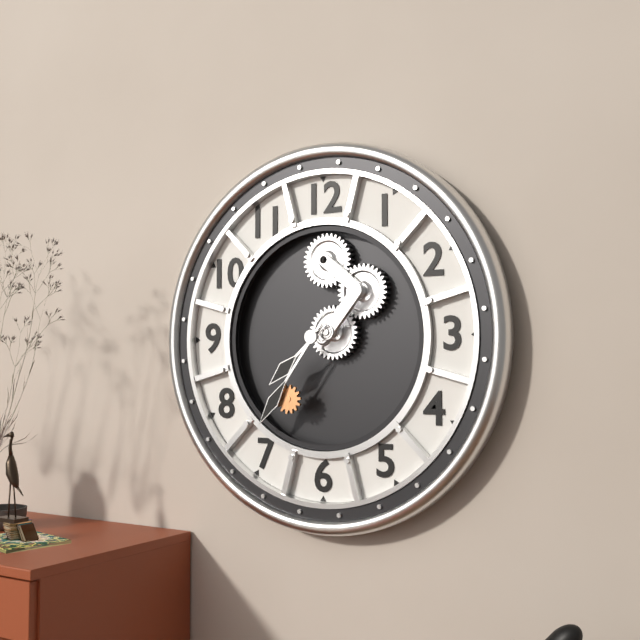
7:36
